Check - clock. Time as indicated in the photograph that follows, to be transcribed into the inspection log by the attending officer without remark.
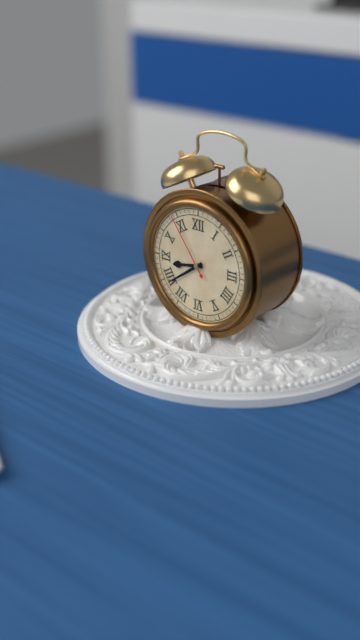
8:39:54
